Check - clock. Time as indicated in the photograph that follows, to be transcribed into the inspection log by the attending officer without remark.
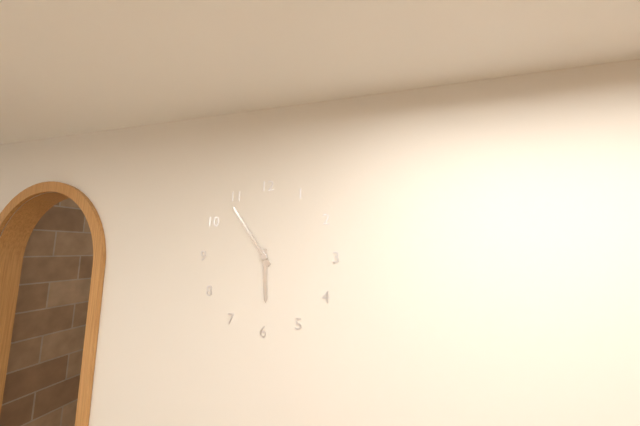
5:54
